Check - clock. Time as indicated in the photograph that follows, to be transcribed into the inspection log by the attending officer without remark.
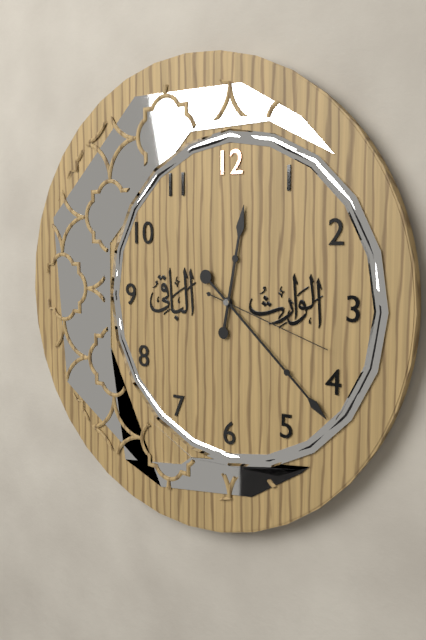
12:22:18
